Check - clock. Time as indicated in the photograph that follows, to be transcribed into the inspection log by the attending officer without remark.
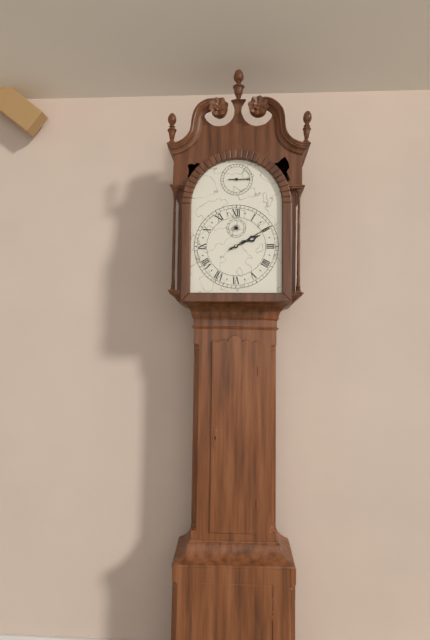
2:10
